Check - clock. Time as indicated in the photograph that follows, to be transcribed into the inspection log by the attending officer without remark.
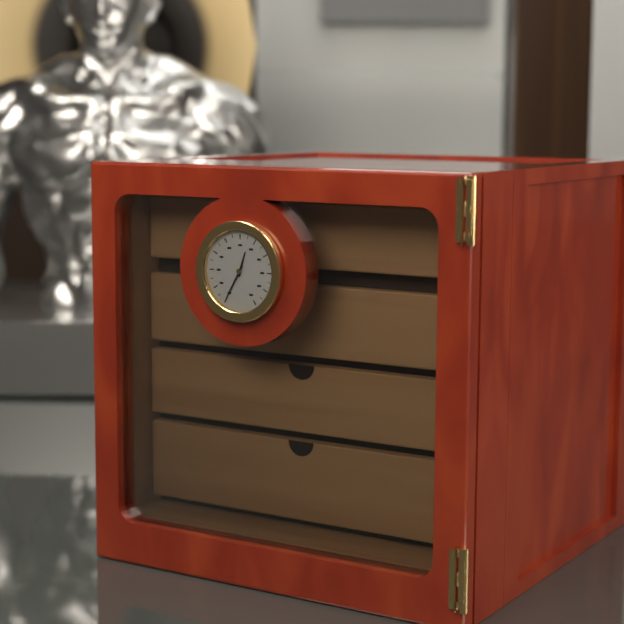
12:35
